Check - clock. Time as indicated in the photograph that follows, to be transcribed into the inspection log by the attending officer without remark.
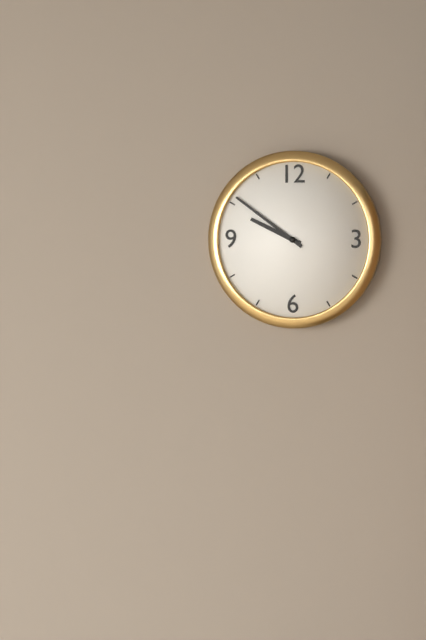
9:51
